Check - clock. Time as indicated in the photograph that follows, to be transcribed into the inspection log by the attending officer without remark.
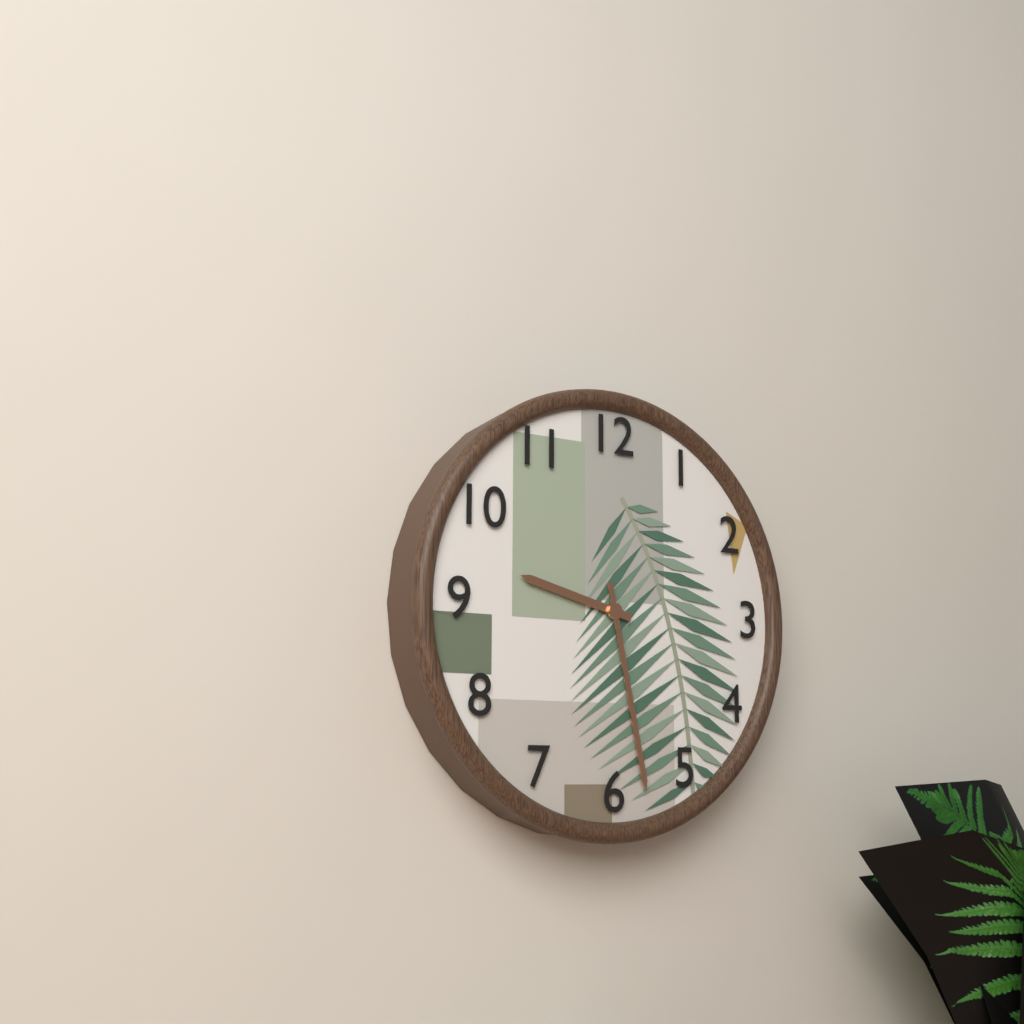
9:28
